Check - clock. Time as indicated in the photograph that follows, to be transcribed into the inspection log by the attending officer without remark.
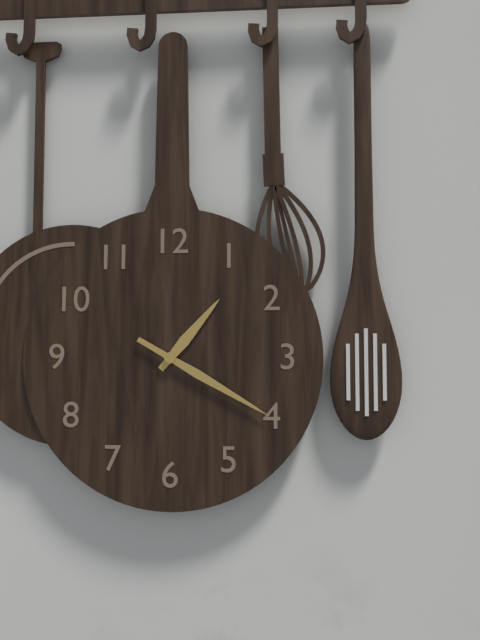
1:20
